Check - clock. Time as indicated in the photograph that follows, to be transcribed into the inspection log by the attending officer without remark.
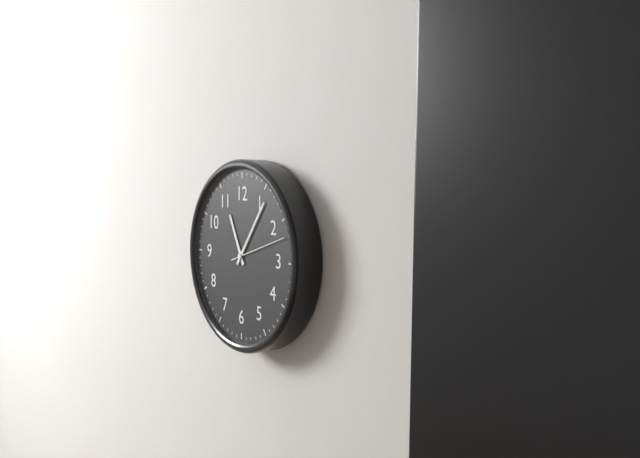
11:06:12
